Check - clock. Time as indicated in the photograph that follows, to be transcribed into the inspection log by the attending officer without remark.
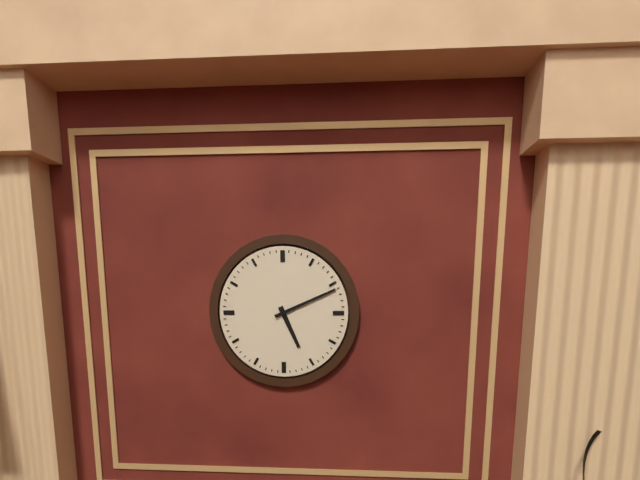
5:11
